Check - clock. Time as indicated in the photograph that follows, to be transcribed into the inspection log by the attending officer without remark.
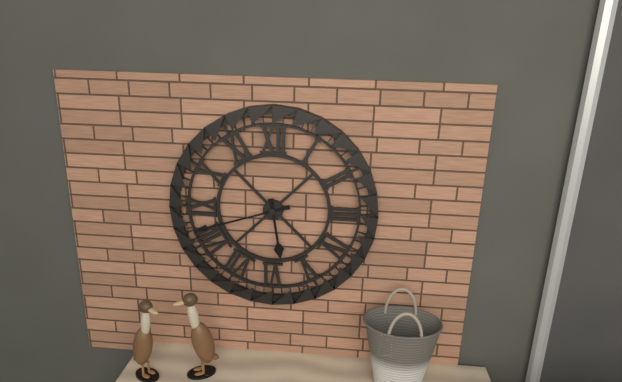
5:42
